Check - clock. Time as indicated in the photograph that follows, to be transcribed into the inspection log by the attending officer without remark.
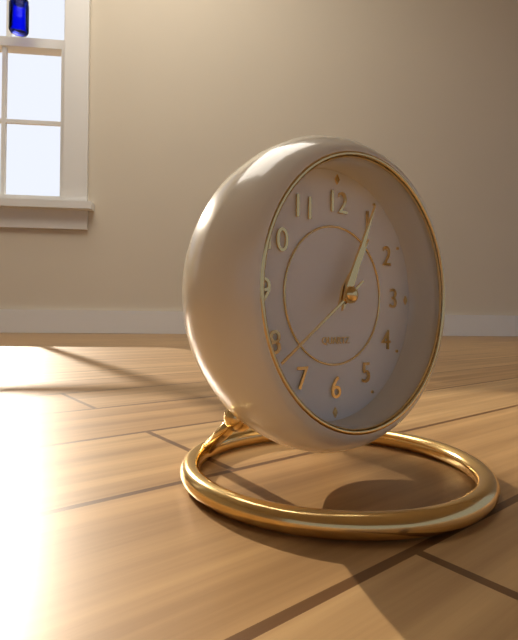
1:04:39
